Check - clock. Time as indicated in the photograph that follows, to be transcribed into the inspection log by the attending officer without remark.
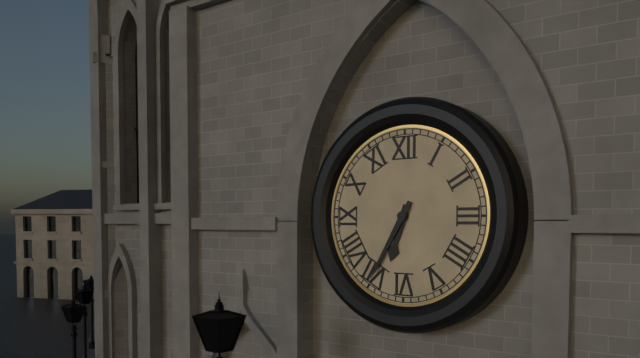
6:35
